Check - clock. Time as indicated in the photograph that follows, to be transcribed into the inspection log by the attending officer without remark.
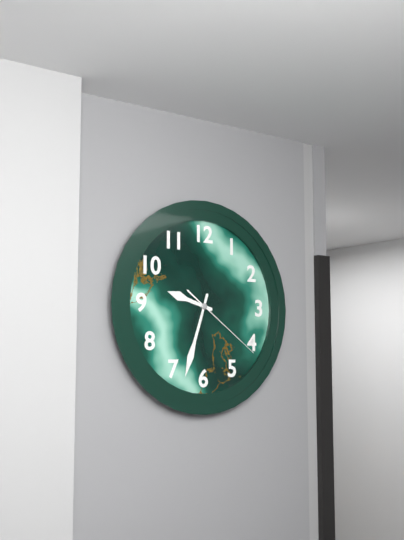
9:33:21
